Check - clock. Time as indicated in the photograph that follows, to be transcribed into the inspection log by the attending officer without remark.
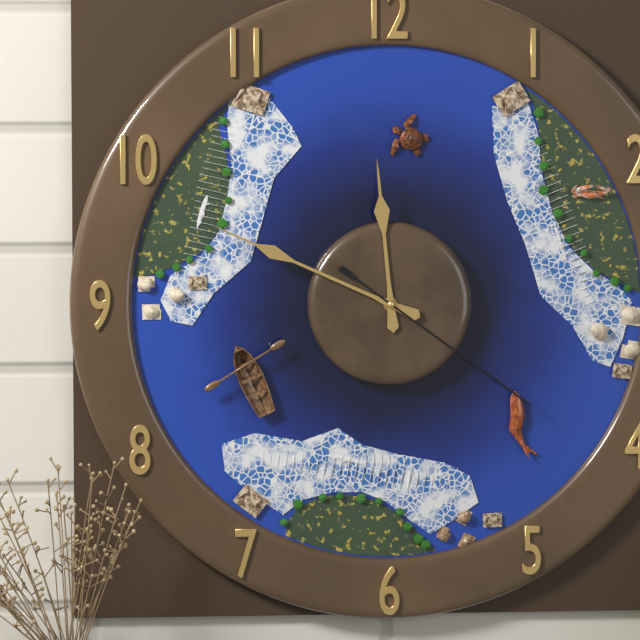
11:49:21
